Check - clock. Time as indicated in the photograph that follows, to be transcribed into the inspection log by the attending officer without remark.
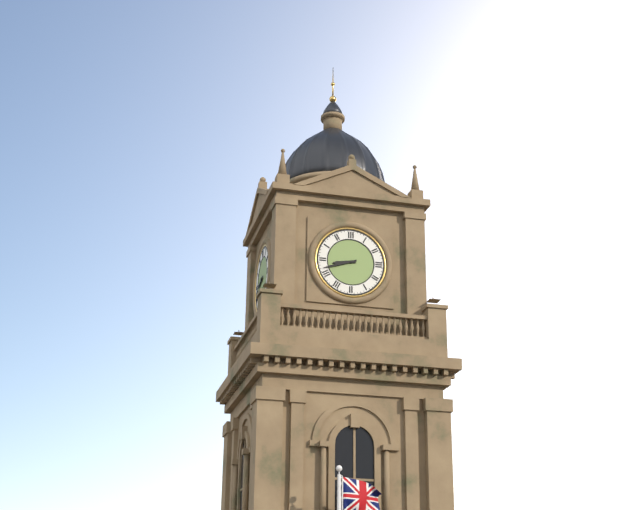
8:42
